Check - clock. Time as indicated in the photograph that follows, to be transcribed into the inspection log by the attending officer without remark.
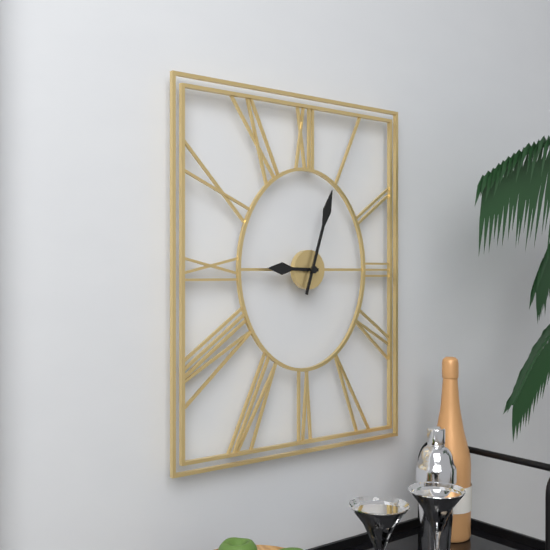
9:03
